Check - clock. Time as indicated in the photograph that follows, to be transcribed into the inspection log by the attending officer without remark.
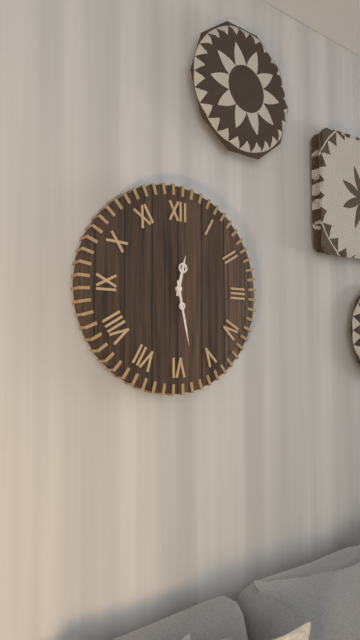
12:28
